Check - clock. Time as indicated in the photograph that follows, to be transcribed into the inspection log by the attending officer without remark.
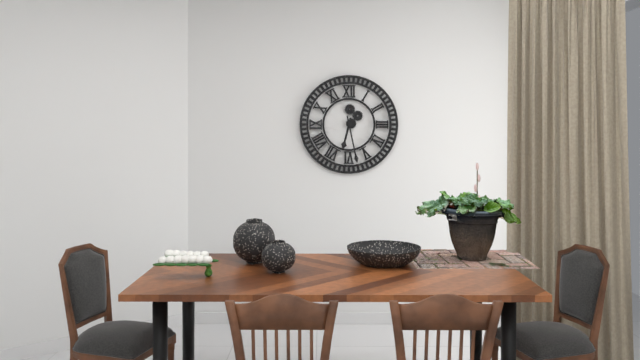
6:28
